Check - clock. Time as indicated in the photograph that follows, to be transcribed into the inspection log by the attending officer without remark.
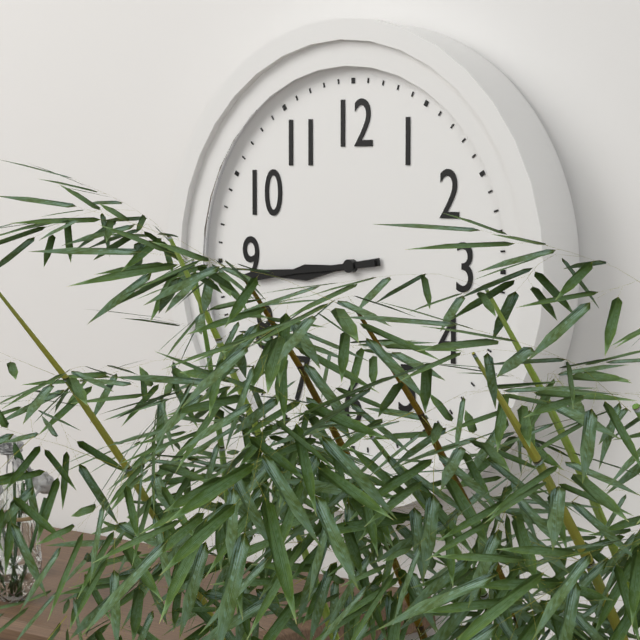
8:44
